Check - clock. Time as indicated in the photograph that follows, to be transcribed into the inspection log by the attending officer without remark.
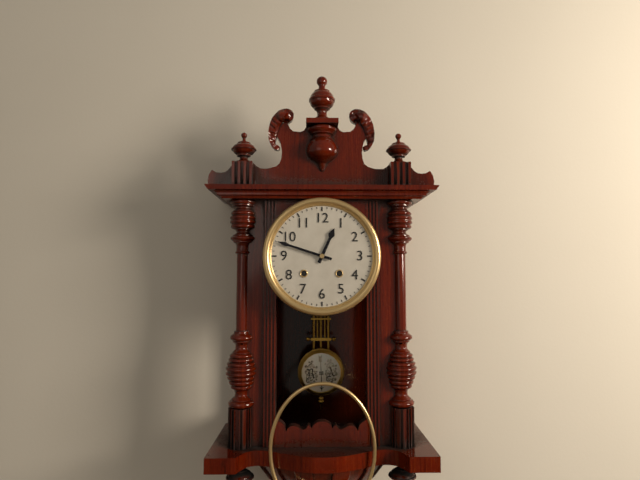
12:48
